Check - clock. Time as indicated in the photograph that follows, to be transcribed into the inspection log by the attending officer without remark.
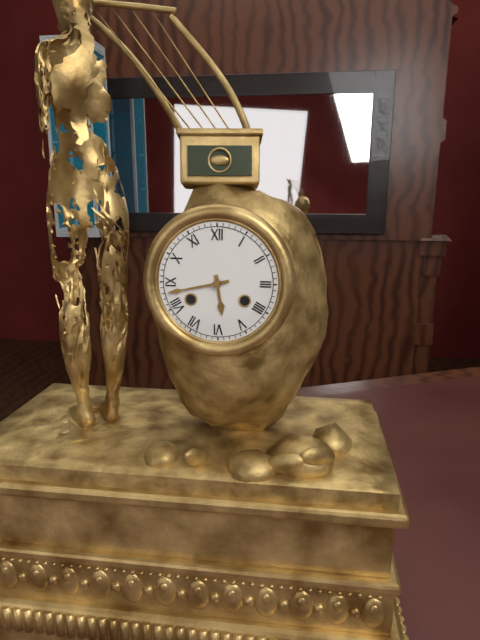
5:43
